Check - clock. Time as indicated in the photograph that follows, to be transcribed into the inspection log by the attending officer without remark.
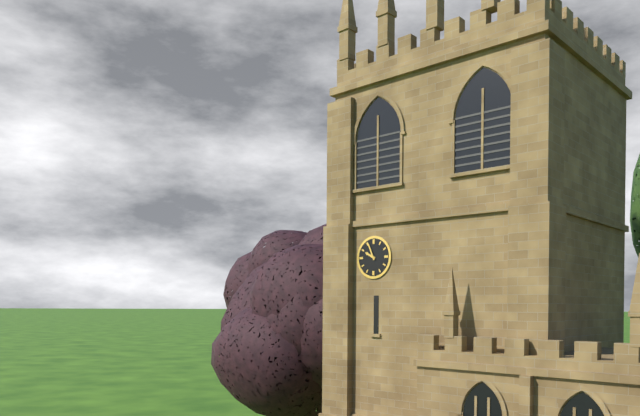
9:56
